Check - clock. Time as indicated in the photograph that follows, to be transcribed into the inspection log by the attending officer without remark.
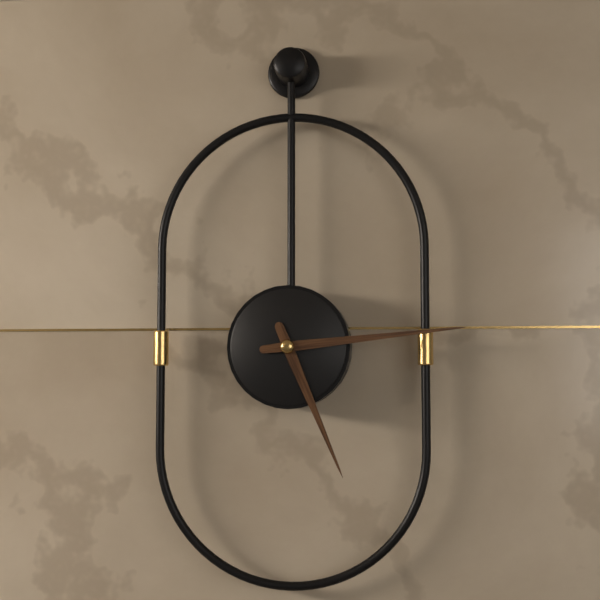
5:14
